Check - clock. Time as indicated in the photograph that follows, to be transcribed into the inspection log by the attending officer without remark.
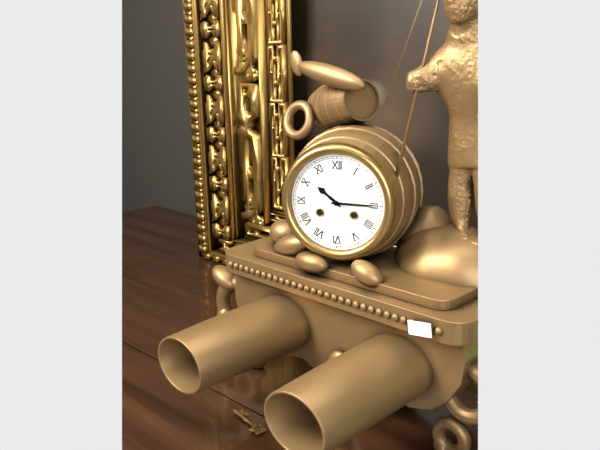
10:15
